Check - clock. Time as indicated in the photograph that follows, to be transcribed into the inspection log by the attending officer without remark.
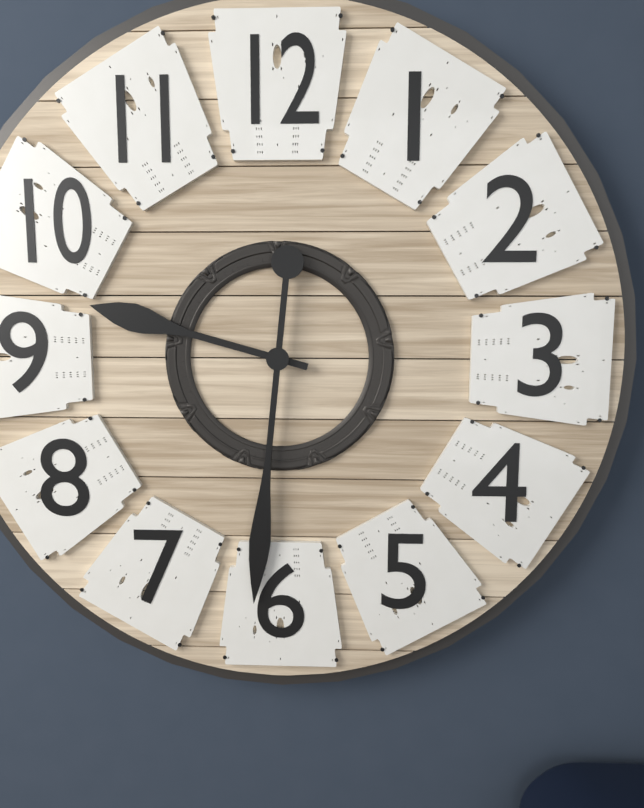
9:31
